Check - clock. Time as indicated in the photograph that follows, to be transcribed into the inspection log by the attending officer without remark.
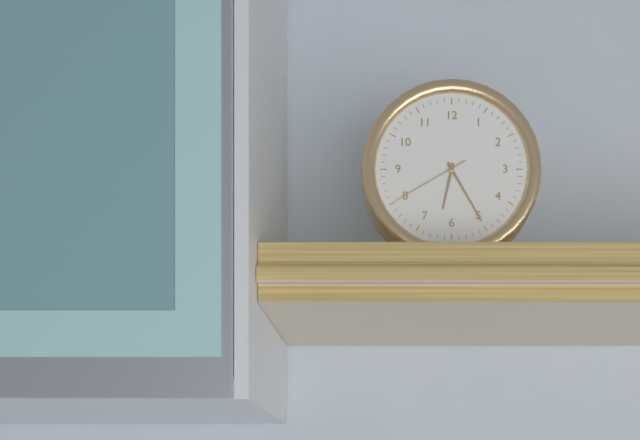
6:25:40
